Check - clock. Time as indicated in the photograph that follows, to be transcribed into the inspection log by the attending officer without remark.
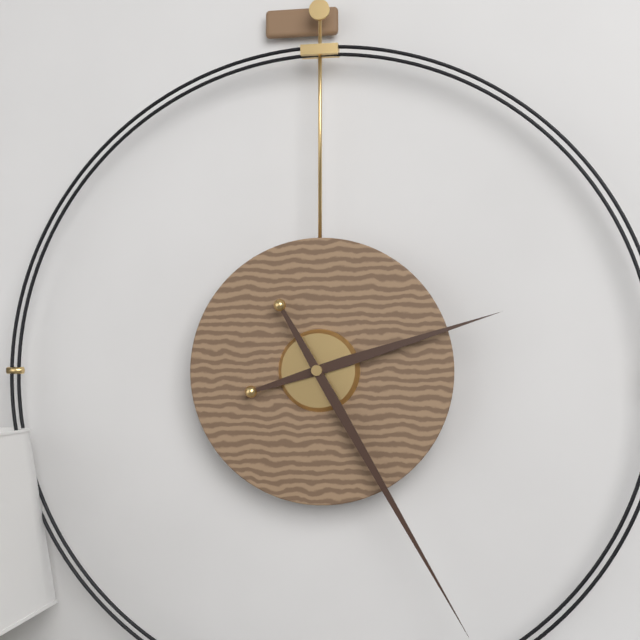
2:25
